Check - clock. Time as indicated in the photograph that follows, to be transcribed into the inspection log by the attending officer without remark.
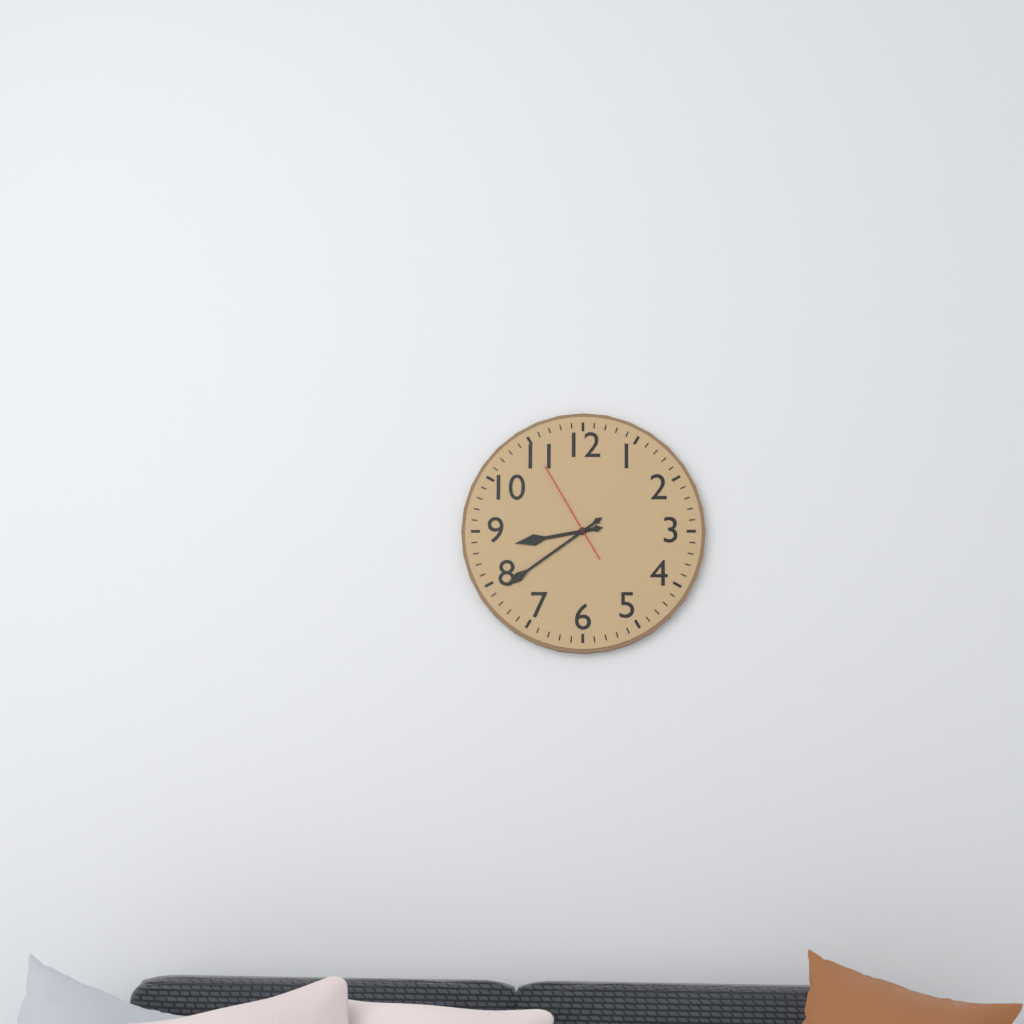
8:39:55
